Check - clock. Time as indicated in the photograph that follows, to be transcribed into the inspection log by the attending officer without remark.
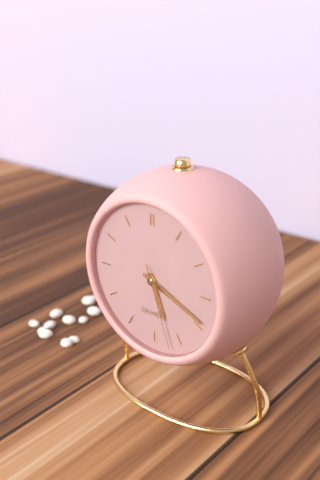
5:19:27
